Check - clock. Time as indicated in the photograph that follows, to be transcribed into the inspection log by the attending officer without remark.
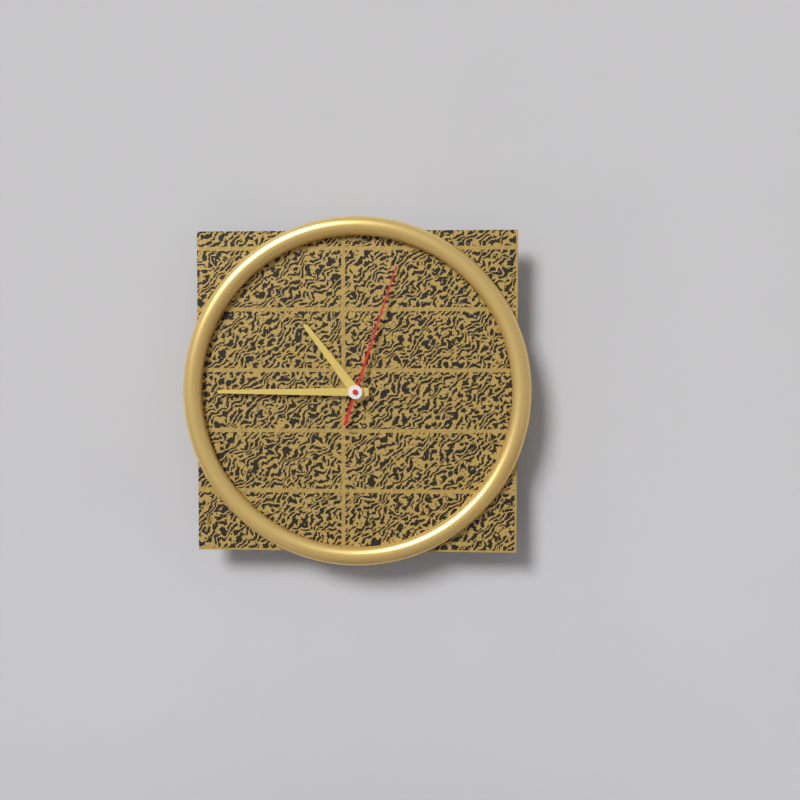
10:45:03
